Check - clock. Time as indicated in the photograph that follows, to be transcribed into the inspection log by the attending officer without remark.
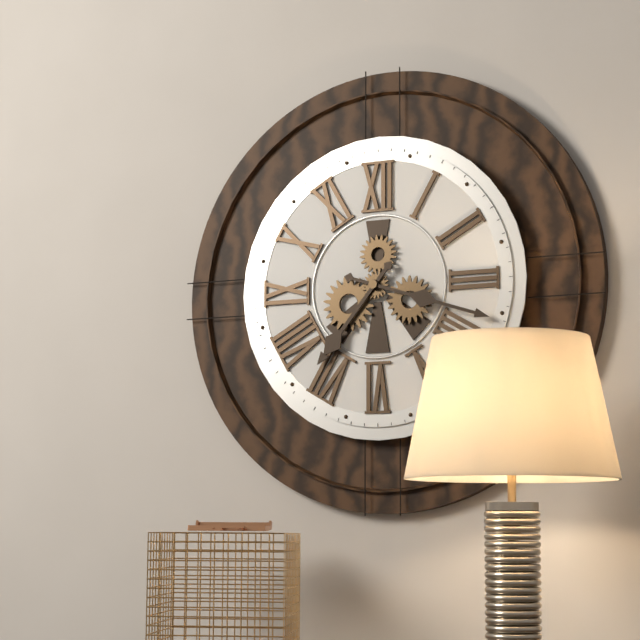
7:18
